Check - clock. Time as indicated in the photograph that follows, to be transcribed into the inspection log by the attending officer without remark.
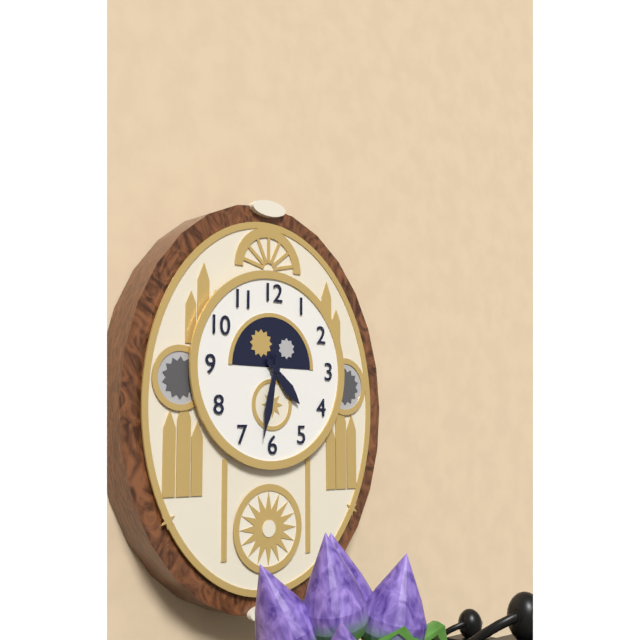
4:32
